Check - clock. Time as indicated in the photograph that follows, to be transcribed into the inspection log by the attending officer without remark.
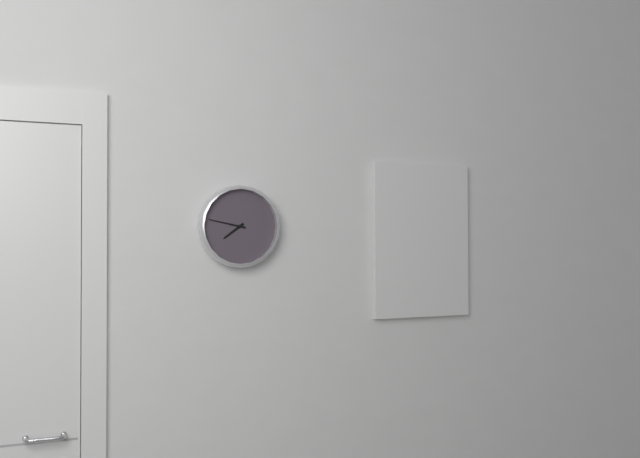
7:47
